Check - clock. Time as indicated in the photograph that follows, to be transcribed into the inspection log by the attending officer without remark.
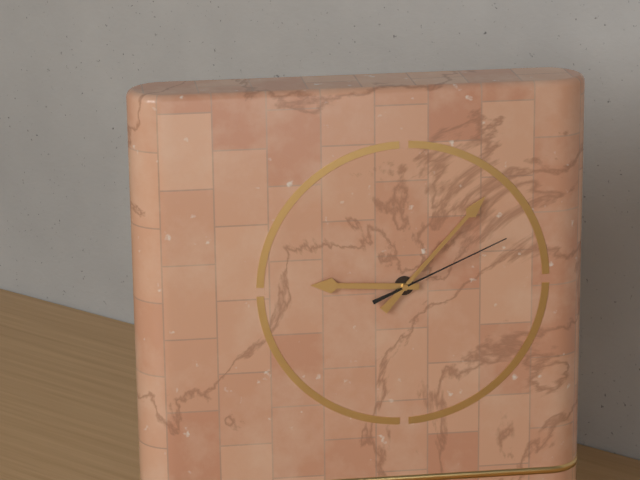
9:07:11
